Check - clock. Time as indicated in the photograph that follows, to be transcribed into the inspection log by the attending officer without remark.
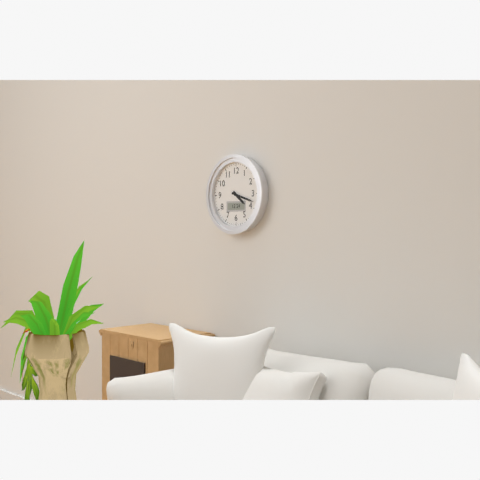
4:18
